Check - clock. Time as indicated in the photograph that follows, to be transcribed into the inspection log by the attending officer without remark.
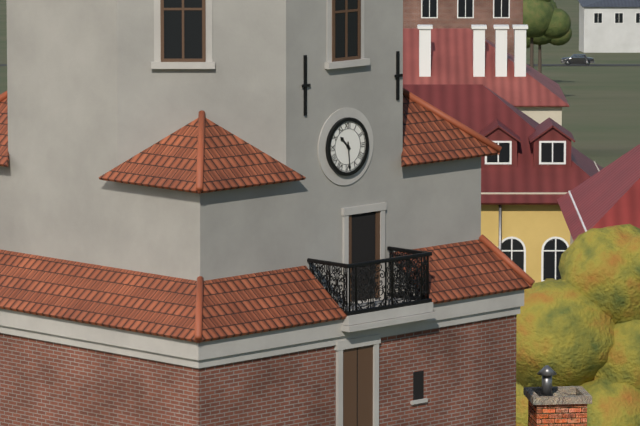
10:29
